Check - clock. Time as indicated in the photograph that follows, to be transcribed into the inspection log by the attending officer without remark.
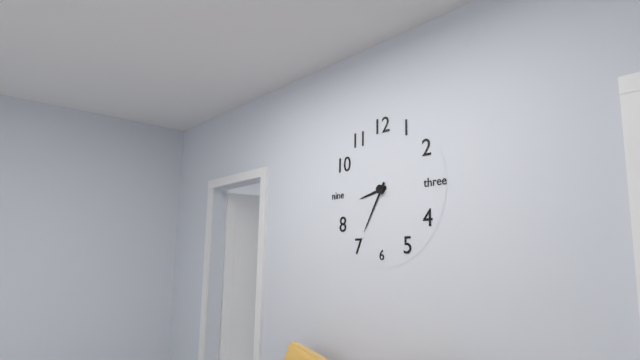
8:35
